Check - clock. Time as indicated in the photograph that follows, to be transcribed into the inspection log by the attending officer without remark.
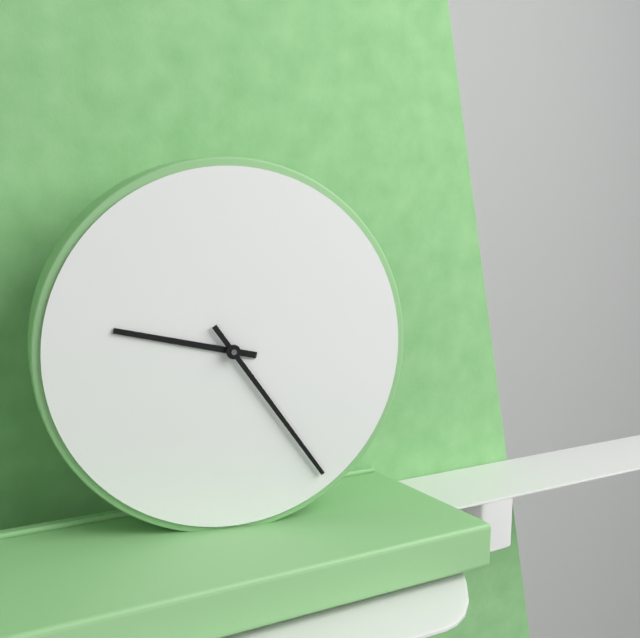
9:24
